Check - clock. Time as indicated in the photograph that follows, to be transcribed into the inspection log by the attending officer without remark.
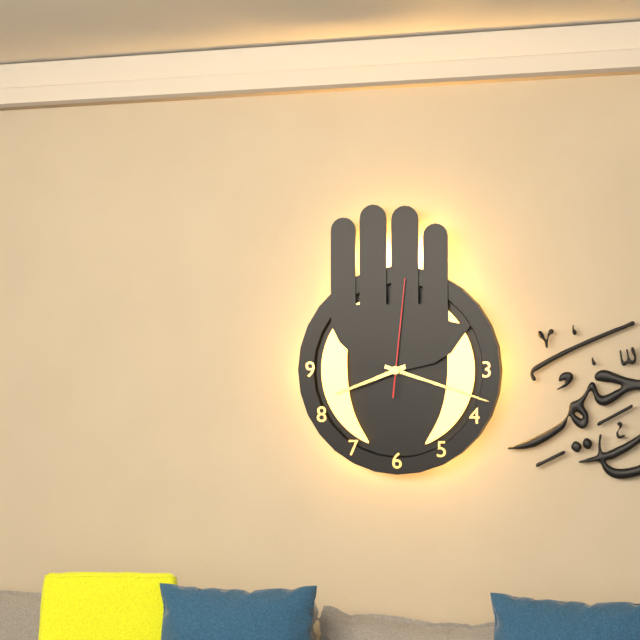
8:18:01
